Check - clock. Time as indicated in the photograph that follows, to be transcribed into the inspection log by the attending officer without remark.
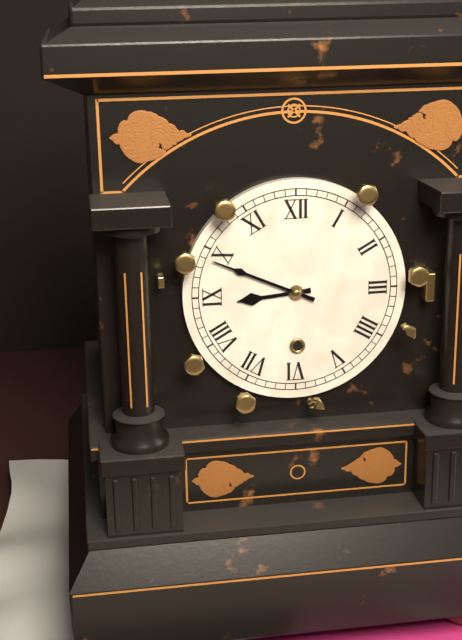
8:49
